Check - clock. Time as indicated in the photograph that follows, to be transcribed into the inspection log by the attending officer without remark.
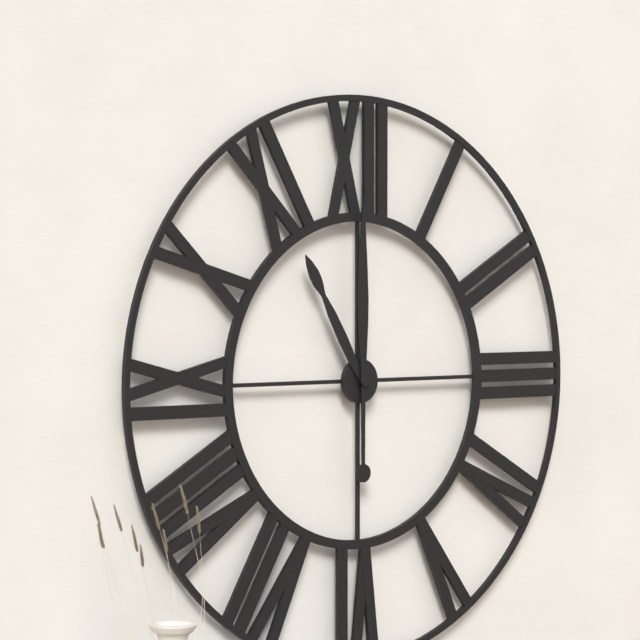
11:00
